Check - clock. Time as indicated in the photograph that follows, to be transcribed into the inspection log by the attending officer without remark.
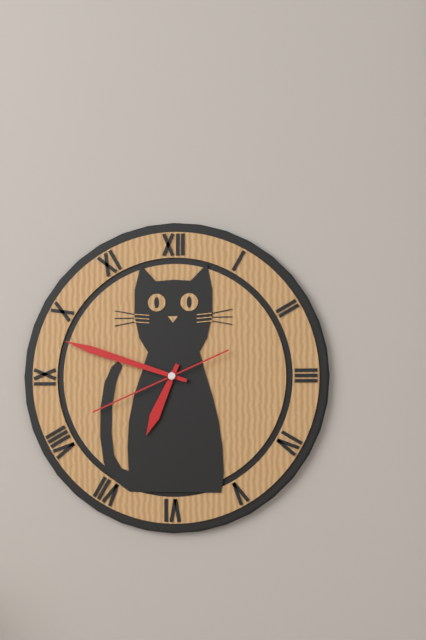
6:48:41
